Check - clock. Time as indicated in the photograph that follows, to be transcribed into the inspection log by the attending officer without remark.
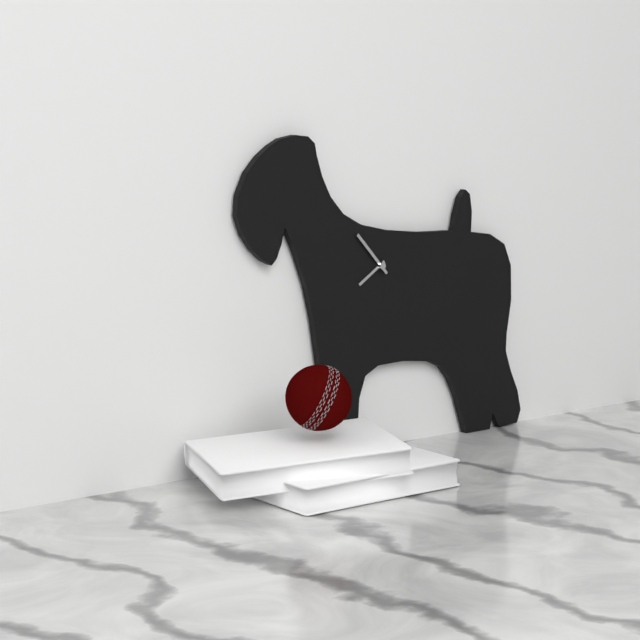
7:53
